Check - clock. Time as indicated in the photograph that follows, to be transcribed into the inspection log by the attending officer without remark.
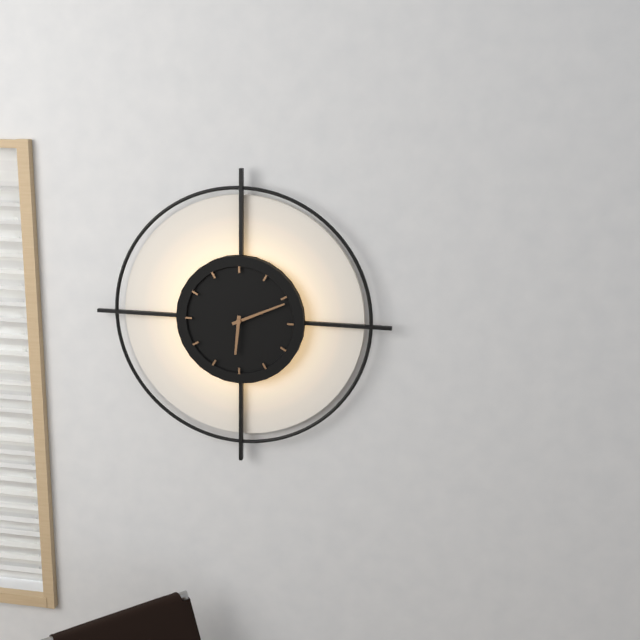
6:11
